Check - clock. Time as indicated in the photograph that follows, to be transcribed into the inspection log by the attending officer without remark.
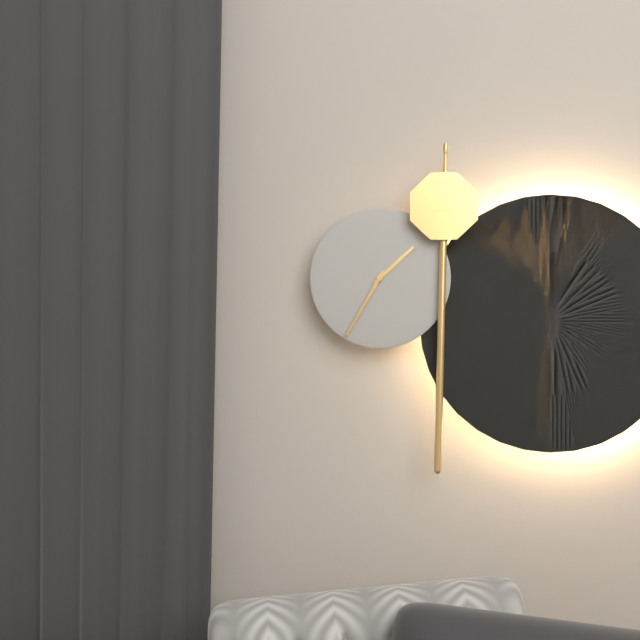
1:35
